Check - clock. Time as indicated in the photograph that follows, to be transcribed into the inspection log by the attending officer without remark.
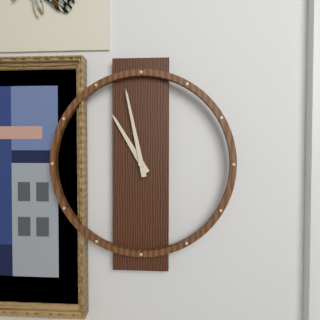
10:58
